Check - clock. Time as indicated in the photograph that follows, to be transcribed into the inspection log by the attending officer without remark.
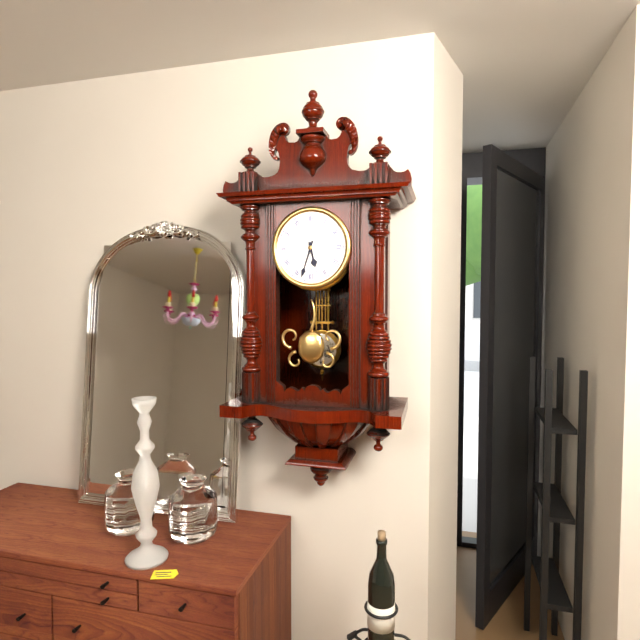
5:33
